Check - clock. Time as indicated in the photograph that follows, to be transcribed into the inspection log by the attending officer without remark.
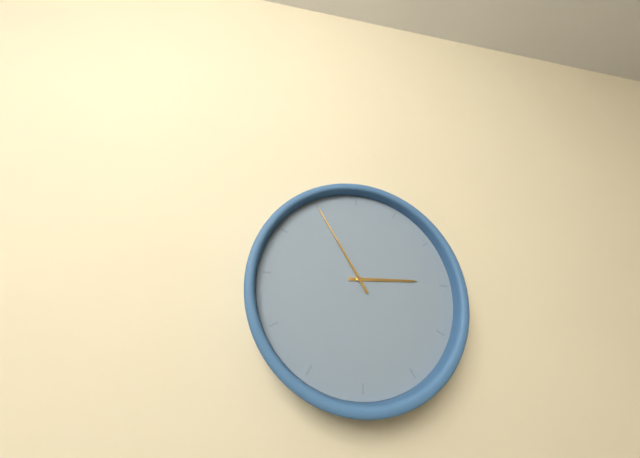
2:55
